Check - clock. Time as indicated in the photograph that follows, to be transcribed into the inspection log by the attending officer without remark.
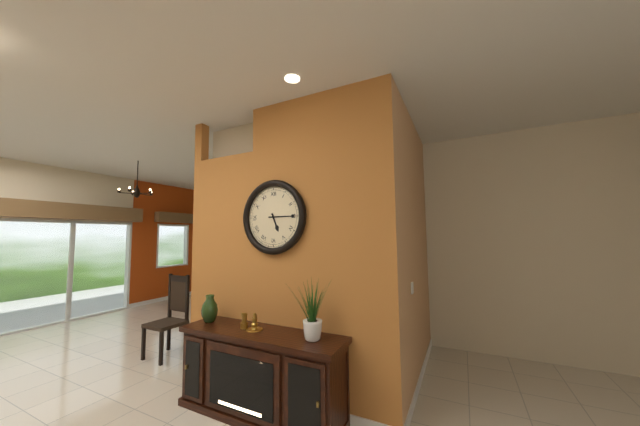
5:15
